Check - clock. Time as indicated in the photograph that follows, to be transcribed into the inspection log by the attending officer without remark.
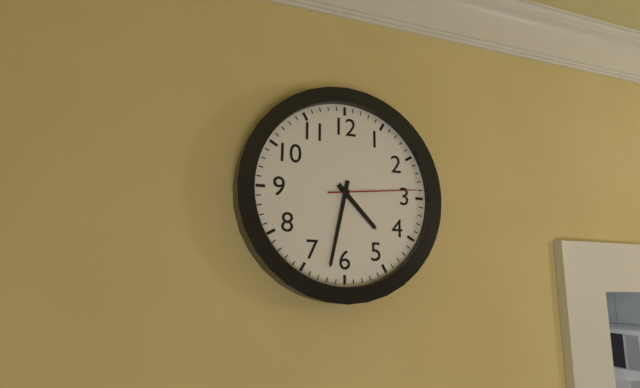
4:32:14
